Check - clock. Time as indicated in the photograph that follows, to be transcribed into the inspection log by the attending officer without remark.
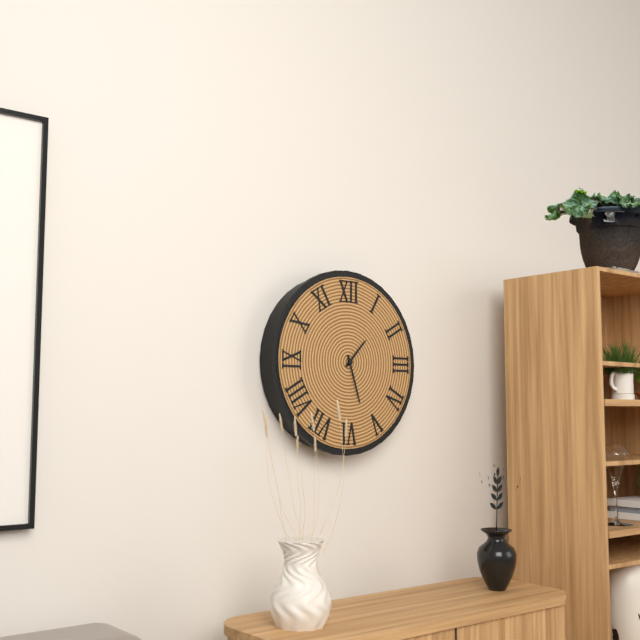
1:27
